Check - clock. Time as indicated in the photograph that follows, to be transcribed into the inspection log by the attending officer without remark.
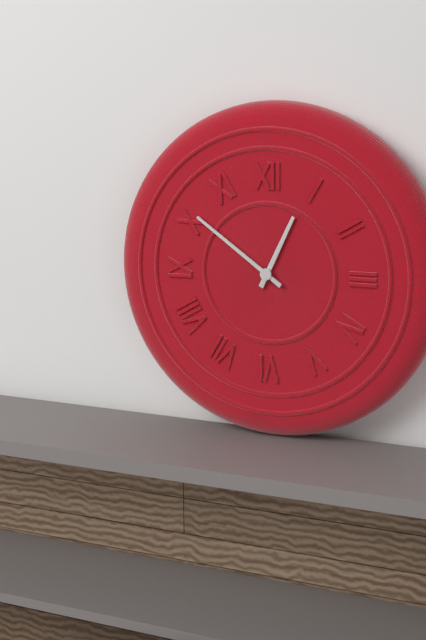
12:51
